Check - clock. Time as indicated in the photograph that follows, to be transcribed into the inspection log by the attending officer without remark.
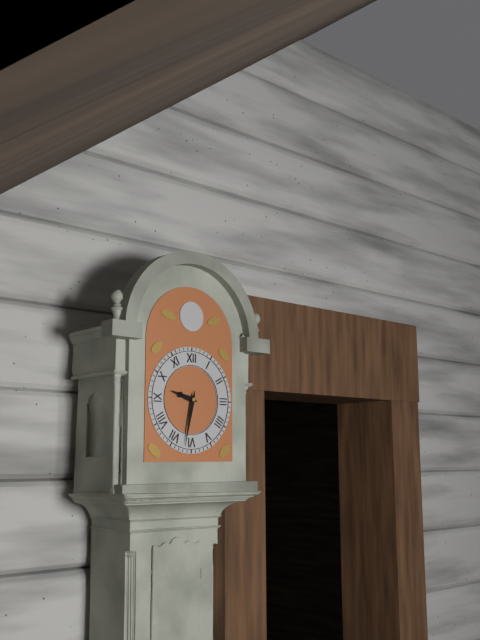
9:32
